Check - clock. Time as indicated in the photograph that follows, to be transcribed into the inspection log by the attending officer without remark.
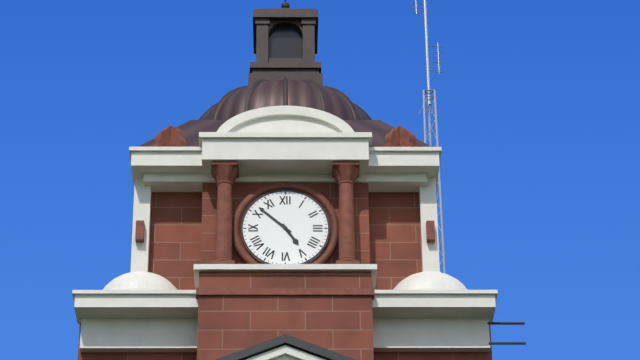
4:52
